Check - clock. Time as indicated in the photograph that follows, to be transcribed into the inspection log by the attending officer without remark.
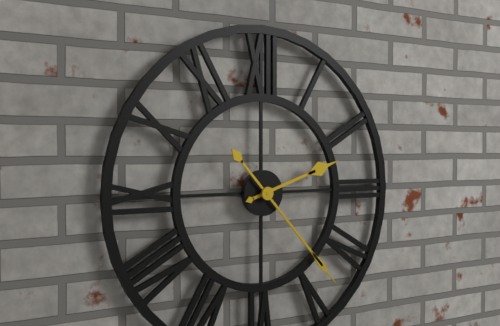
2:23
